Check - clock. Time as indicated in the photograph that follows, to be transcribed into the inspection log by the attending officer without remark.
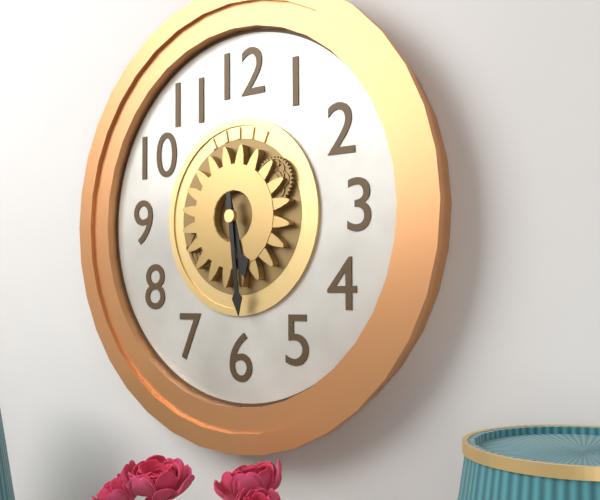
5:29
